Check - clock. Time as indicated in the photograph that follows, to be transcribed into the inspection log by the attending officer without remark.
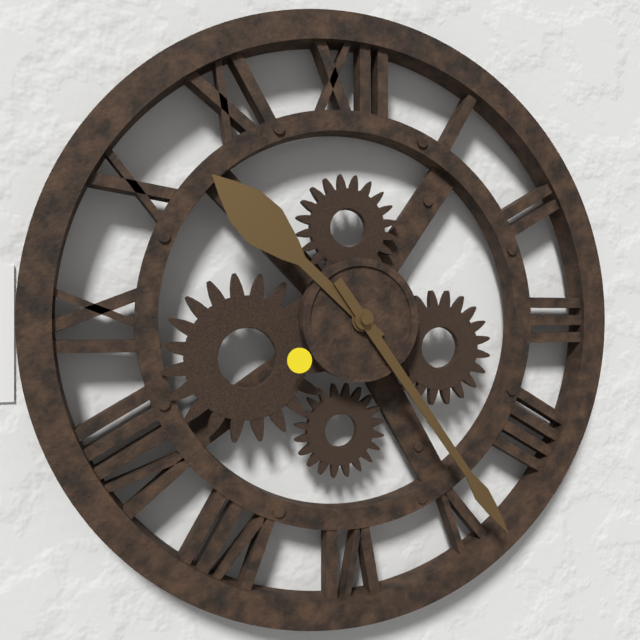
10:24
